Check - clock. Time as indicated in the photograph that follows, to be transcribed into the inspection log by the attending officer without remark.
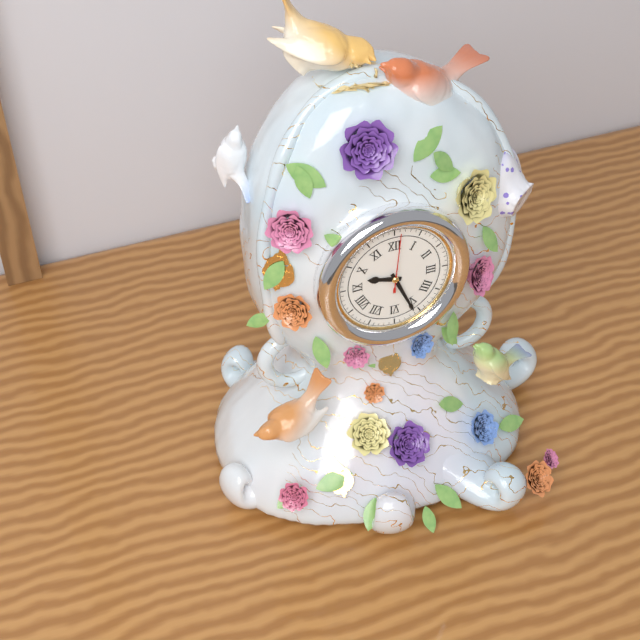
9:26:01
